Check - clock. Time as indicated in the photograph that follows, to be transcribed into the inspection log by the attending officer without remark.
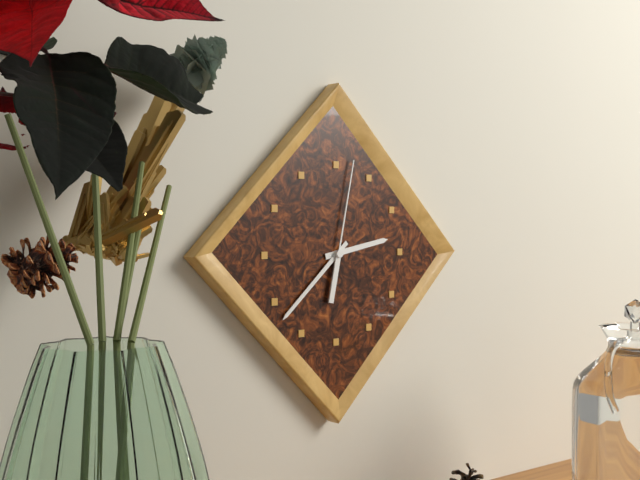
2:38:02
